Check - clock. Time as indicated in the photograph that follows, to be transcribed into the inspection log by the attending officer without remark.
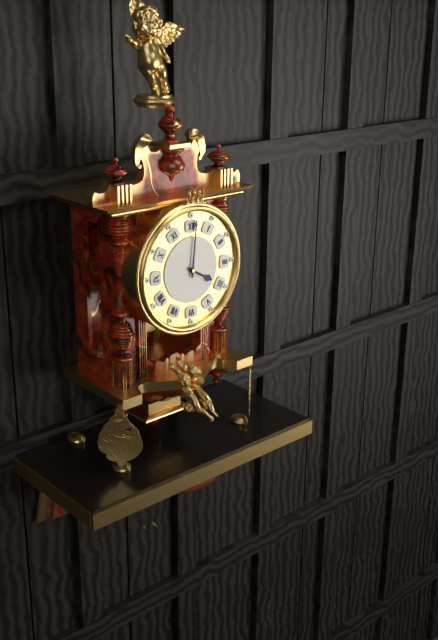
4:01
